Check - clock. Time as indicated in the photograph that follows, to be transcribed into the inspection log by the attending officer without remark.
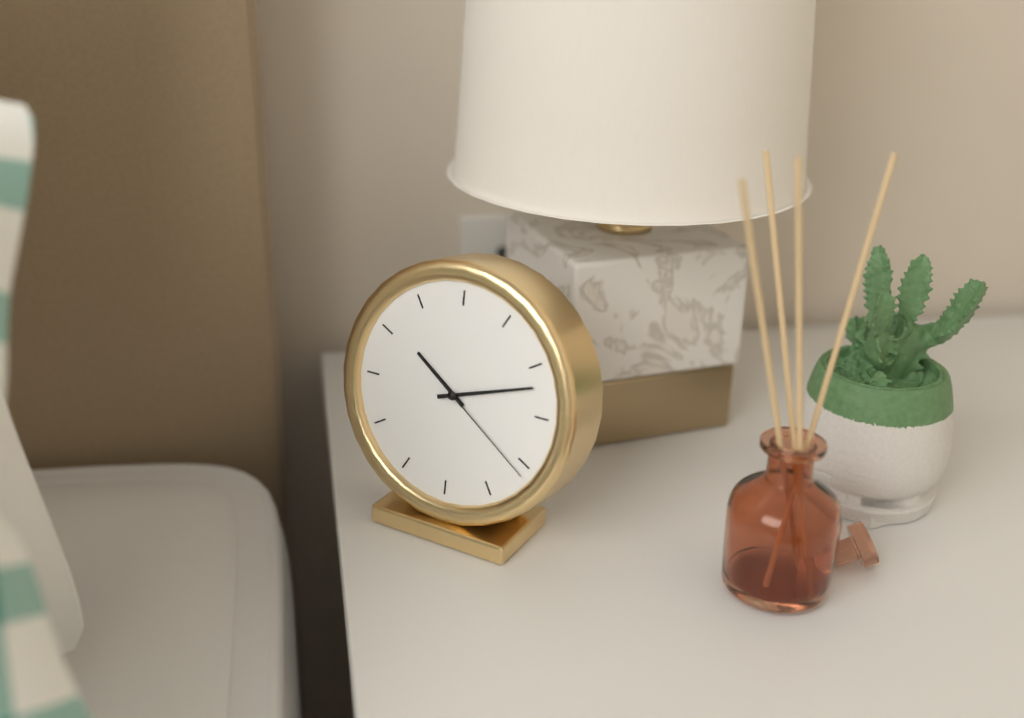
10:12:21
